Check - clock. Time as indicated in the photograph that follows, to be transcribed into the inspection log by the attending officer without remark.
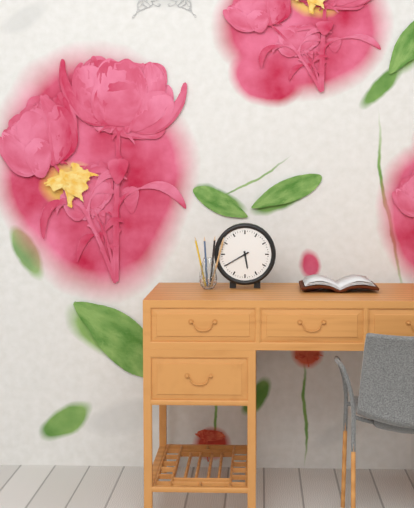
5:40
